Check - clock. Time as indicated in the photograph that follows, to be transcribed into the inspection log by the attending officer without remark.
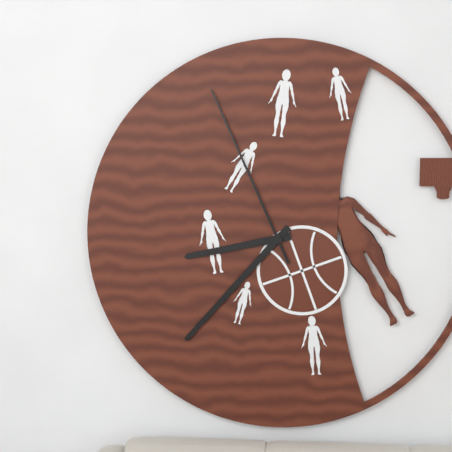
8:37:56
